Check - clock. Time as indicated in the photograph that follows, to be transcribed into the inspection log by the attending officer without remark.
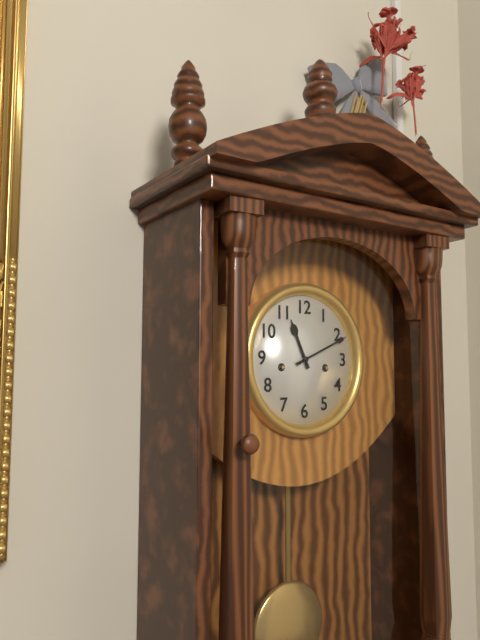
11:11
